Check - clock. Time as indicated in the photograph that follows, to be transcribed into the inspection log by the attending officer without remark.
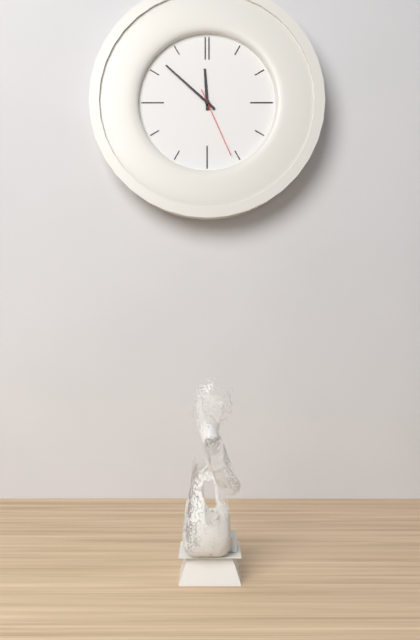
11:52:26
